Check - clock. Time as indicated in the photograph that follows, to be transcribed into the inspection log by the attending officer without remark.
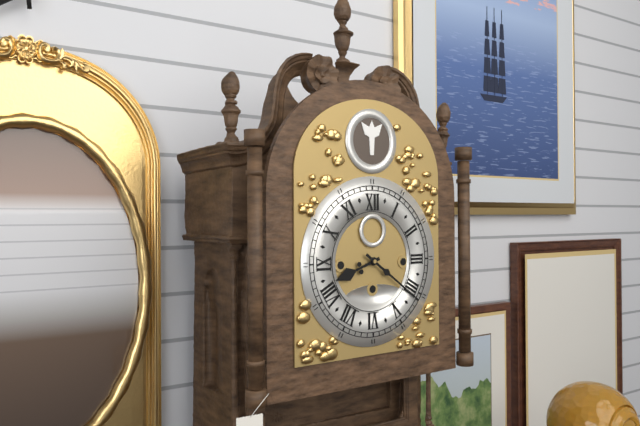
8:21
